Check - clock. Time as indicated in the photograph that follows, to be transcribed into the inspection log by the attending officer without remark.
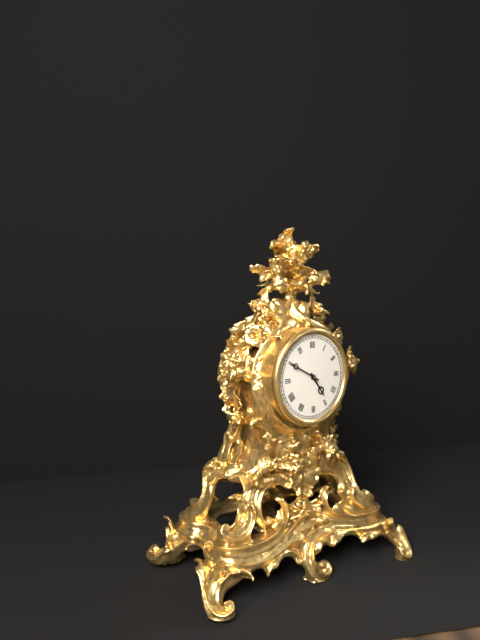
4:50
